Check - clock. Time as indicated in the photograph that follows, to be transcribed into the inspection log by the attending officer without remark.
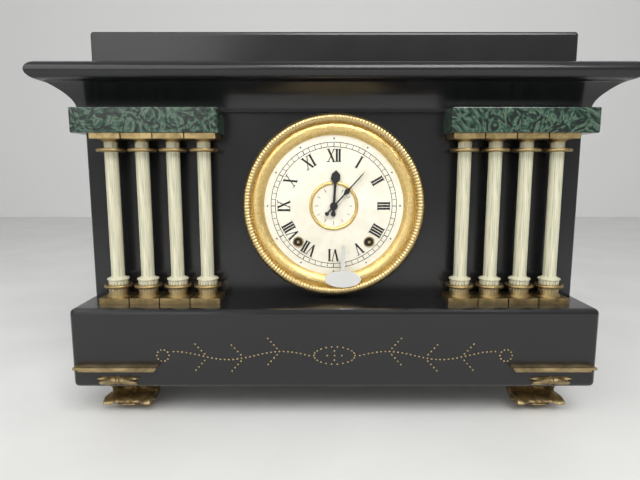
12:07
